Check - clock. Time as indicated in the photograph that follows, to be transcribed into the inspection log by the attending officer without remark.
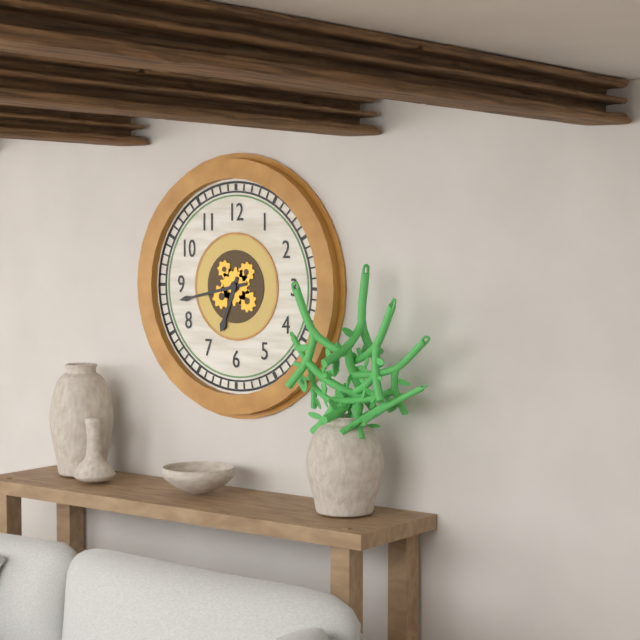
6:43
